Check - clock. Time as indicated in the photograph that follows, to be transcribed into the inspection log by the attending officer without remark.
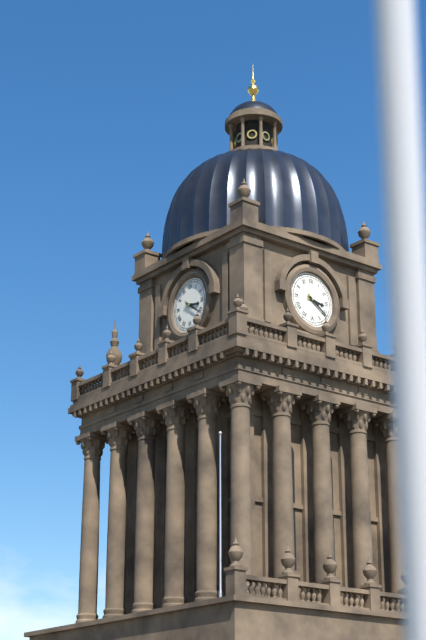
3:21
